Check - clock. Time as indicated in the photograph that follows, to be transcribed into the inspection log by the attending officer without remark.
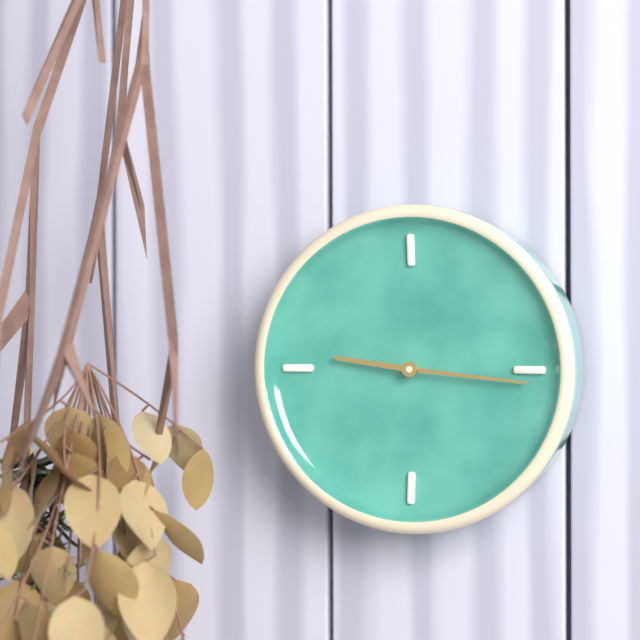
9:16
